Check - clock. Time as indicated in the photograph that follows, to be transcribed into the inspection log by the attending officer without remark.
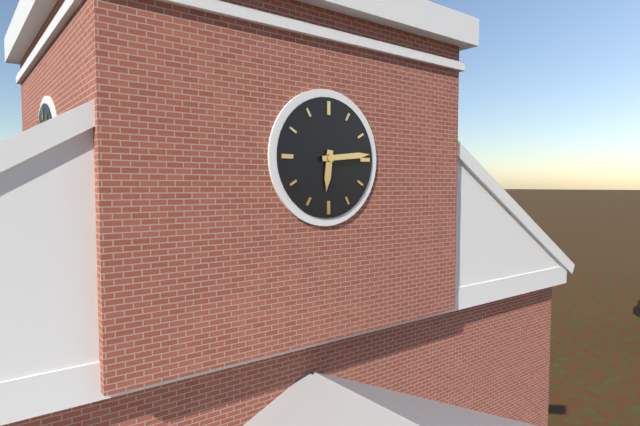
6:14
